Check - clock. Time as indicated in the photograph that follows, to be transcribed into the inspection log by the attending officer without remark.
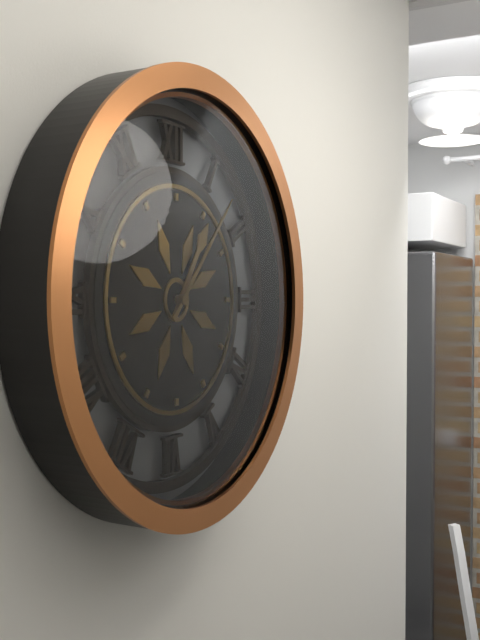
1:07
